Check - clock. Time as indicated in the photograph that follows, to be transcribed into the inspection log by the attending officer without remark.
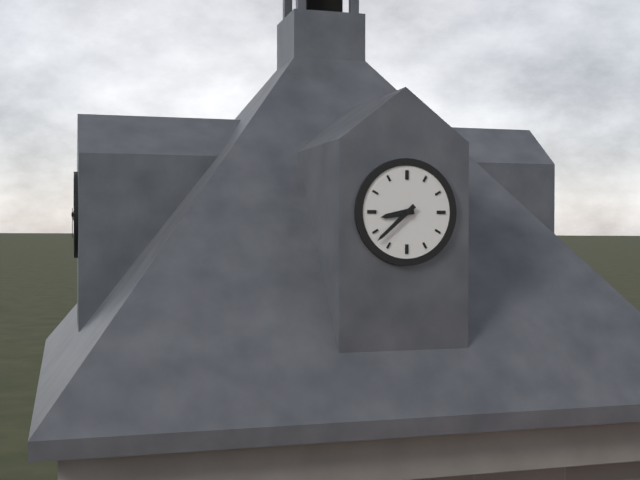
8:38
